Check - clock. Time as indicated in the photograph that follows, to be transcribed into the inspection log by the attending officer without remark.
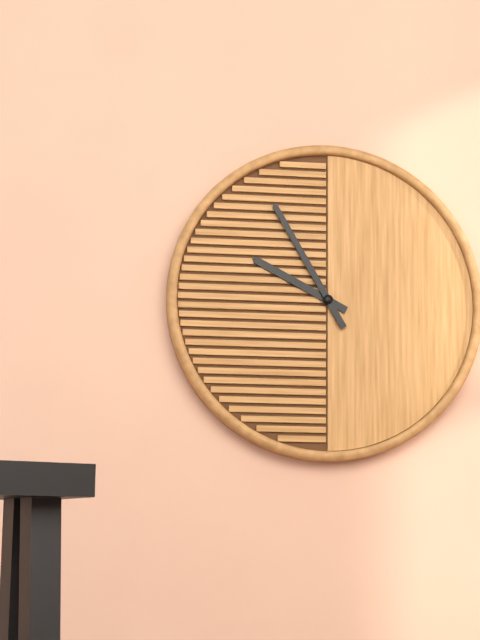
9:55
